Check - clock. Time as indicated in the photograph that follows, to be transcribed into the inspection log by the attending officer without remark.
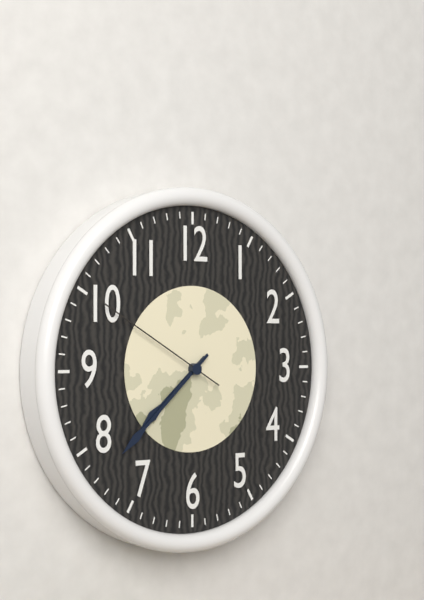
7:38:50
